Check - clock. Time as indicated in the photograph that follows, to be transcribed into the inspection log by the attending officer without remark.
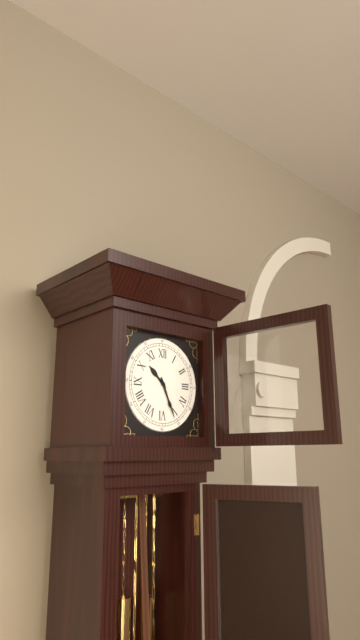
10:26
